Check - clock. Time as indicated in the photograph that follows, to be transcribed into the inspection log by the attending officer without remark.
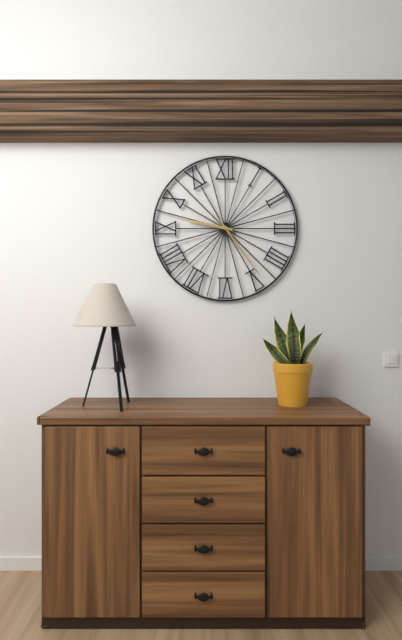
9:24
